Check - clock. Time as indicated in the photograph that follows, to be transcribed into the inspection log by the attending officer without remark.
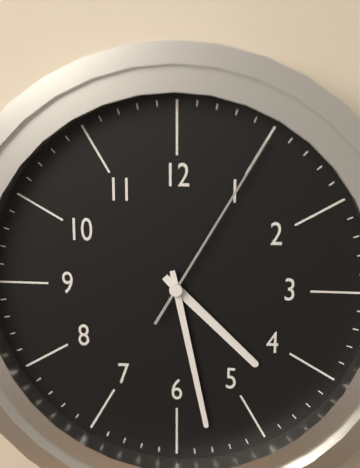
4:28:05
